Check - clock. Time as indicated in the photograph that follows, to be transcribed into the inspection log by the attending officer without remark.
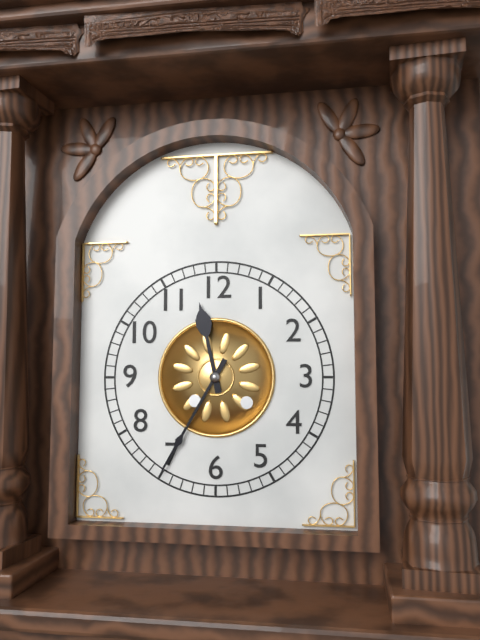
11:35
